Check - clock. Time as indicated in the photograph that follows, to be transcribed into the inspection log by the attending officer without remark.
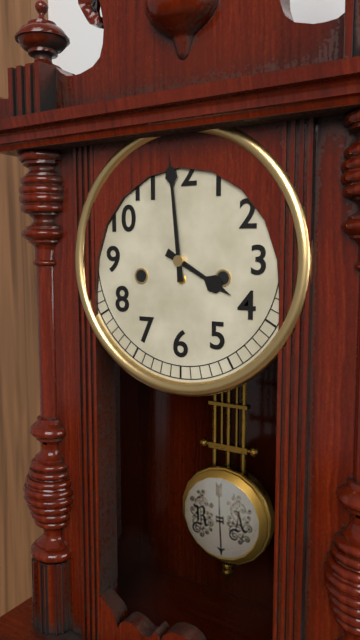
3:59
